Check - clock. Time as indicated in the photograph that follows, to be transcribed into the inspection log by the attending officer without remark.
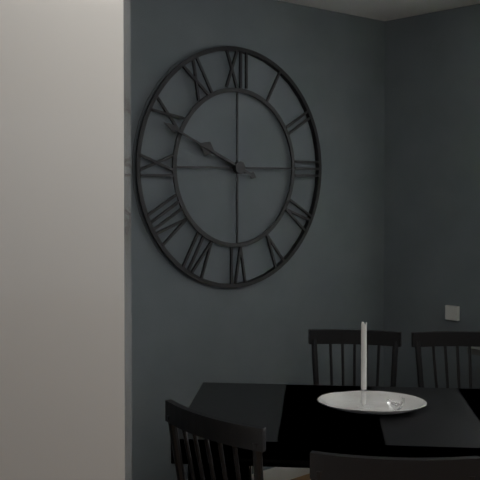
9:49
